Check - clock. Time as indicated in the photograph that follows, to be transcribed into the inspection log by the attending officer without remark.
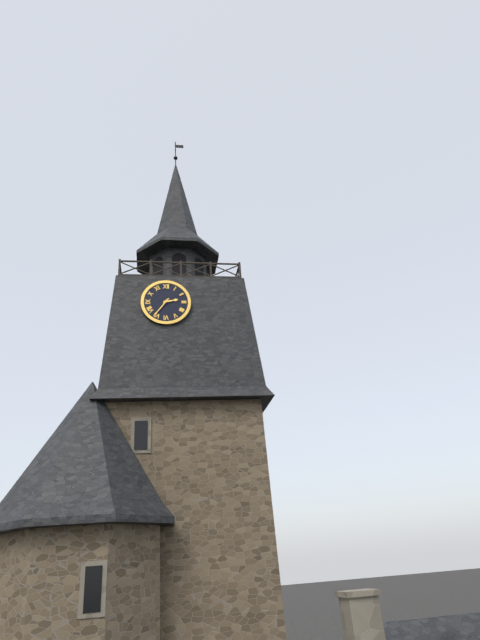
2:36
